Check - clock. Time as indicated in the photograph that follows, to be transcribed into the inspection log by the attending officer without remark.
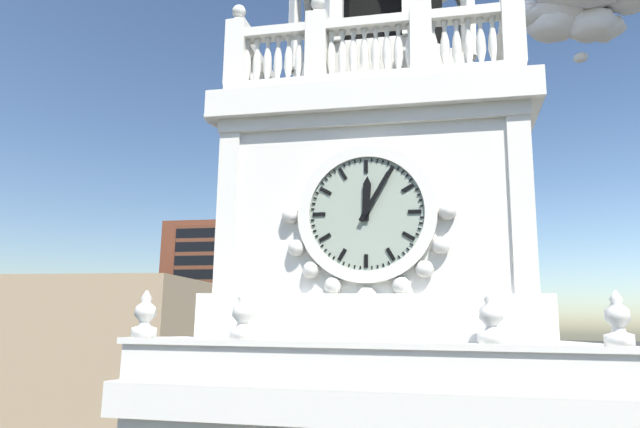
12:05
